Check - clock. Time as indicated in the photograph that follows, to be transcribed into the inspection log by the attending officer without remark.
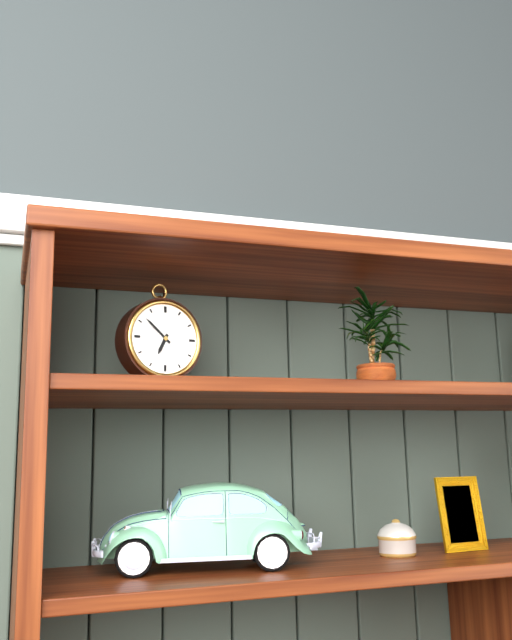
6:52
